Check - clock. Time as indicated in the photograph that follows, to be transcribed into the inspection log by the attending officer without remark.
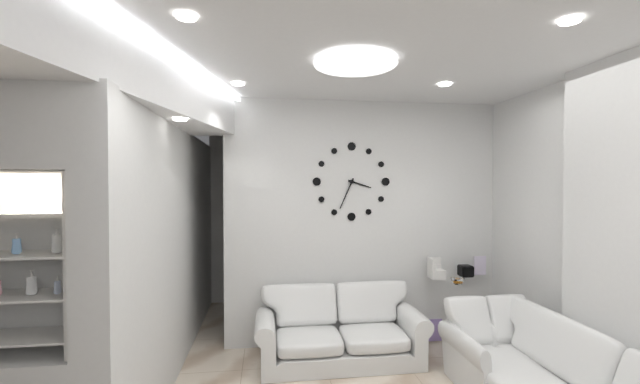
3:34
